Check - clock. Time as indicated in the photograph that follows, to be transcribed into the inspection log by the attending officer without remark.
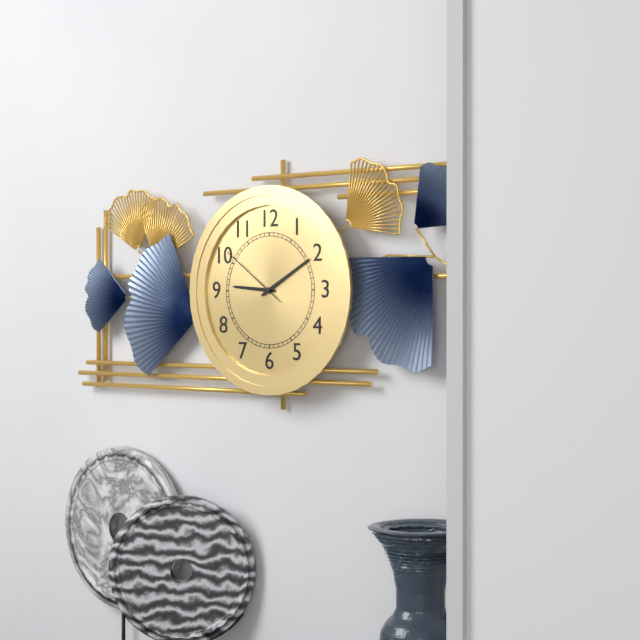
9:10:51
